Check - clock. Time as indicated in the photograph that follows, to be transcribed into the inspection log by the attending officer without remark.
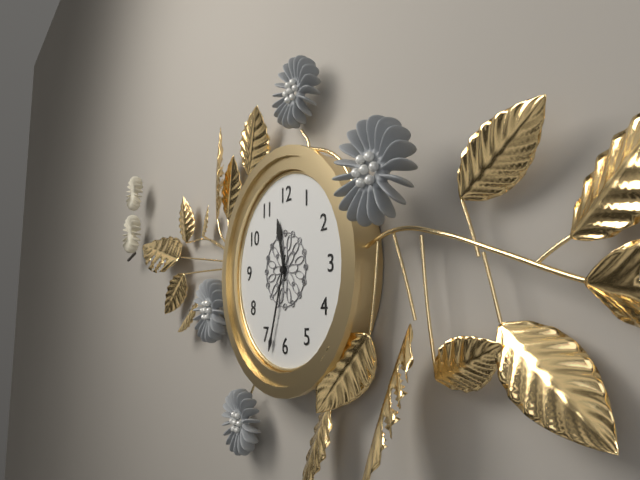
11:33
